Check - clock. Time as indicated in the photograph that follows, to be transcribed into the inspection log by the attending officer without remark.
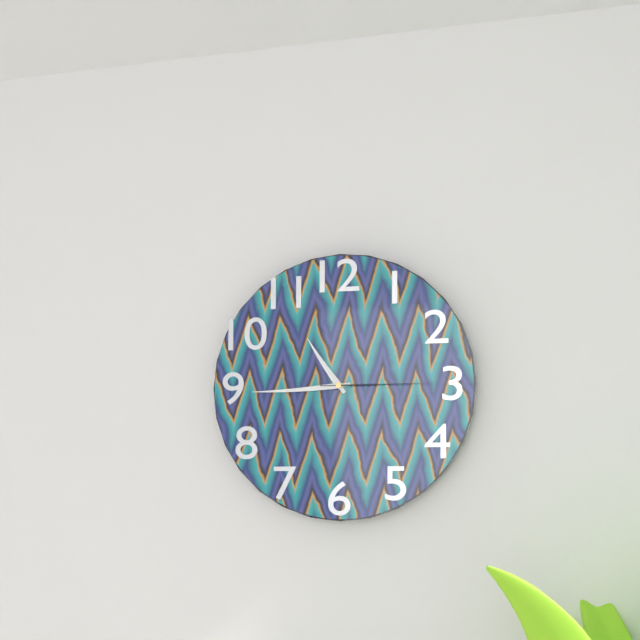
10:44:15
